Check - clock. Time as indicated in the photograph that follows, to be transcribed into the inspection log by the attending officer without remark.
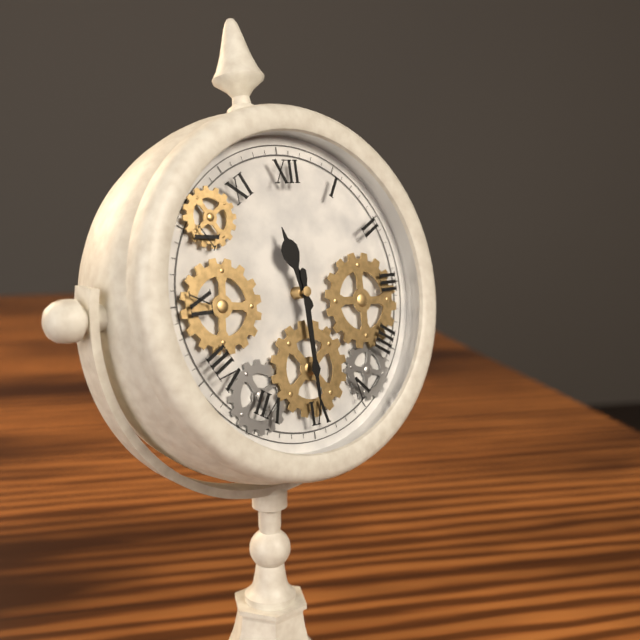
11:30
